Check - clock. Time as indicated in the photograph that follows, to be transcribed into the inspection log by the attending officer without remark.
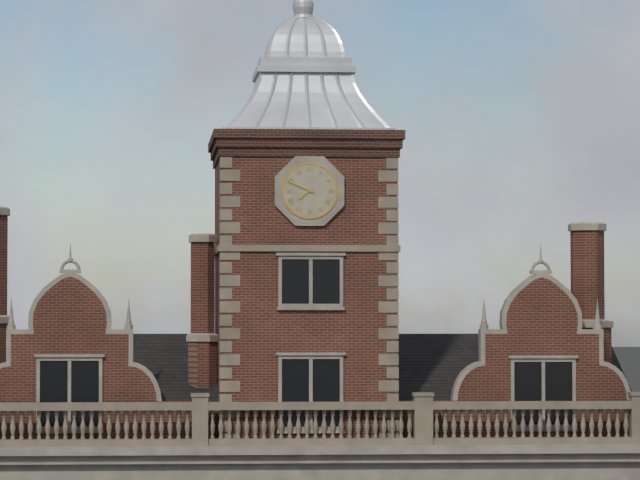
7:49
